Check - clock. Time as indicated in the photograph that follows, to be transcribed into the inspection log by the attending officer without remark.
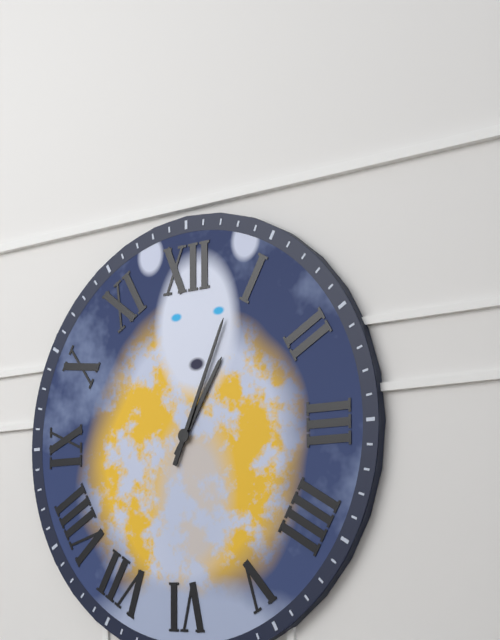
1:04
